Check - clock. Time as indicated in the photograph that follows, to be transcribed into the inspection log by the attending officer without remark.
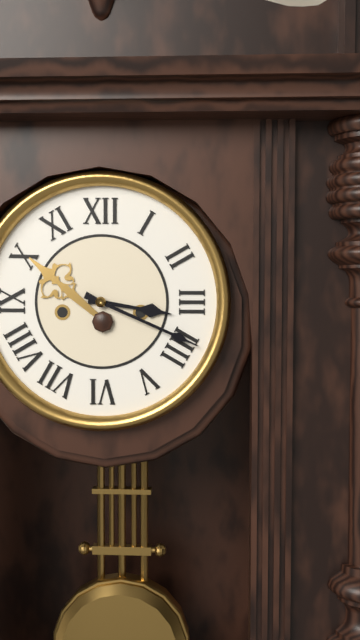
3:19
